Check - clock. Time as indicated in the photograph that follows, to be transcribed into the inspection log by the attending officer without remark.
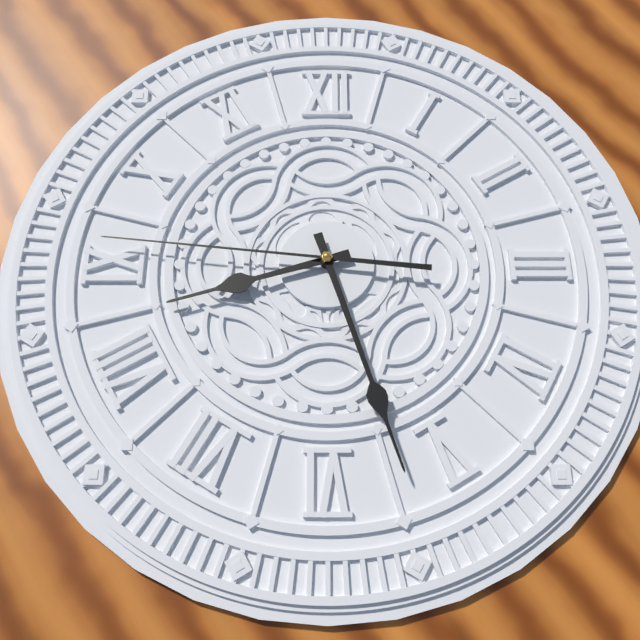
8:27:46
